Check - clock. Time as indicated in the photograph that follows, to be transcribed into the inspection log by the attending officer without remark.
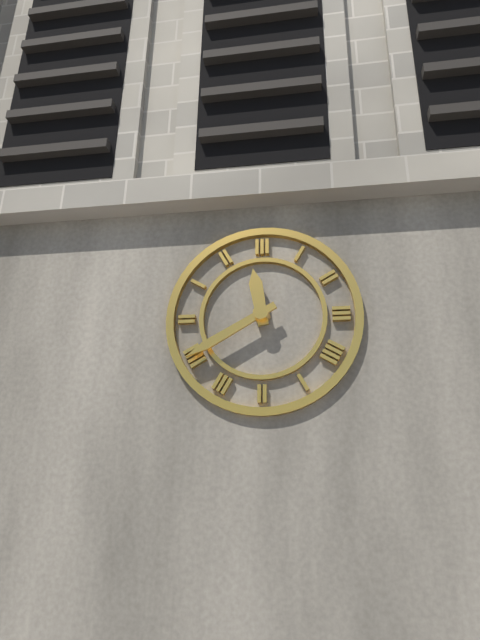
11:40
